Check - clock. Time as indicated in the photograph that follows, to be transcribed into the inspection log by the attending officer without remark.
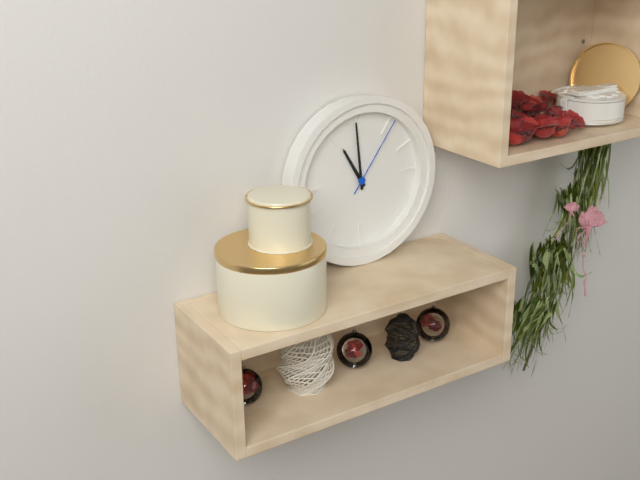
10:59:06
